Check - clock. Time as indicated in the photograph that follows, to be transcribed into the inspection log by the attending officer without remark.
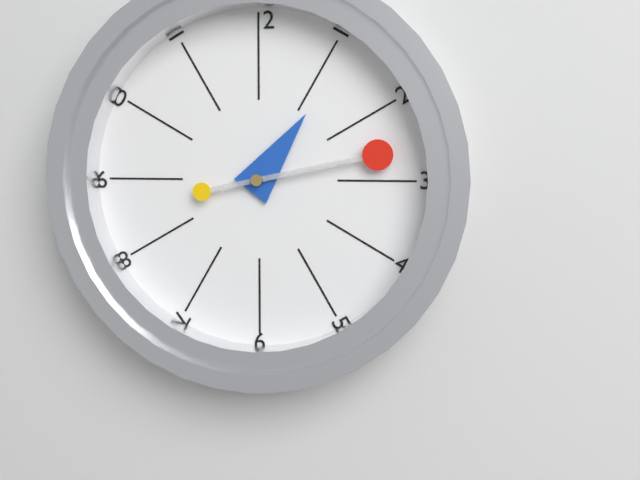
1:13
